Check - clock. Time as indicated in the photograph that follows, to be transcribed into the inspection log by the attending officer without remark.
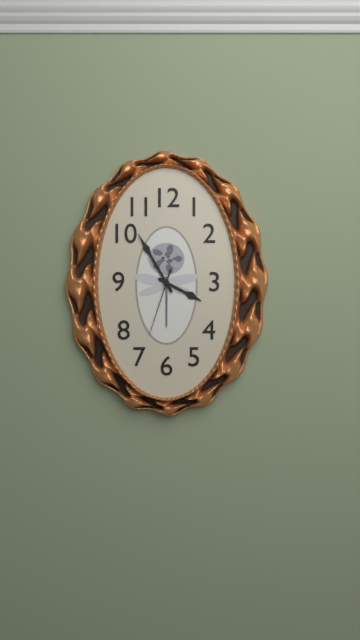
3:55:33
